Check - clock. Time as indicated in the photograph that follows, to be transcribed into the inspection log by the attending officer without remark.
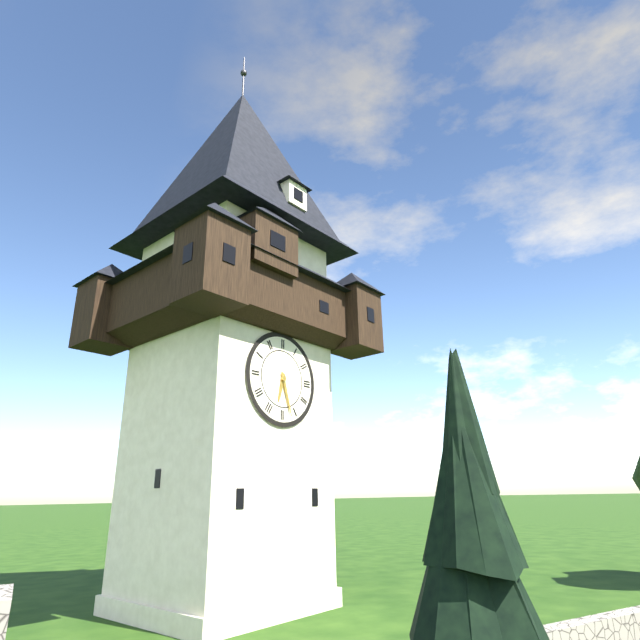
6:27
